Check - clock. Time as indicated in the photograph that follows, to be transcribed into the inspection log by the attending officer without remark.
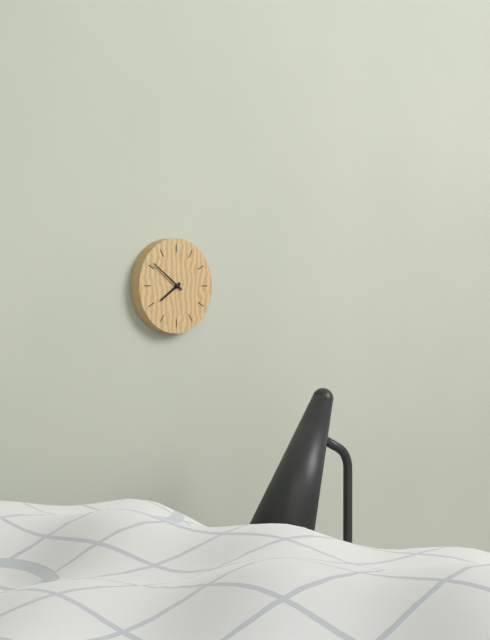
7:51
